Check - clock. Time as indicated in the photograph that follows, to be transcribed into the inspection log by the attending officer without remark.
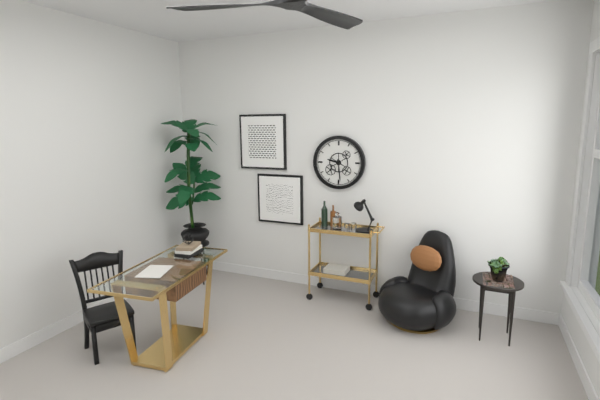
9:29
